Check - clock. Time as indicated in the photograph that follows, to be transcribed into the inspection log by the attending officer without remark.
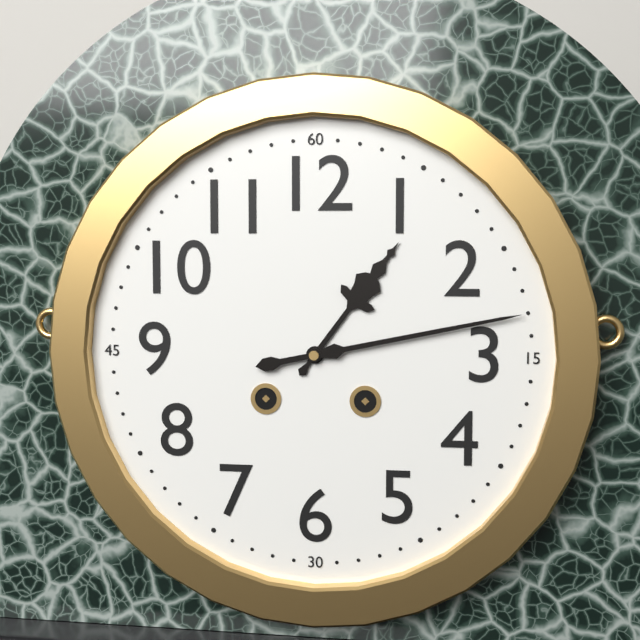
1:13
